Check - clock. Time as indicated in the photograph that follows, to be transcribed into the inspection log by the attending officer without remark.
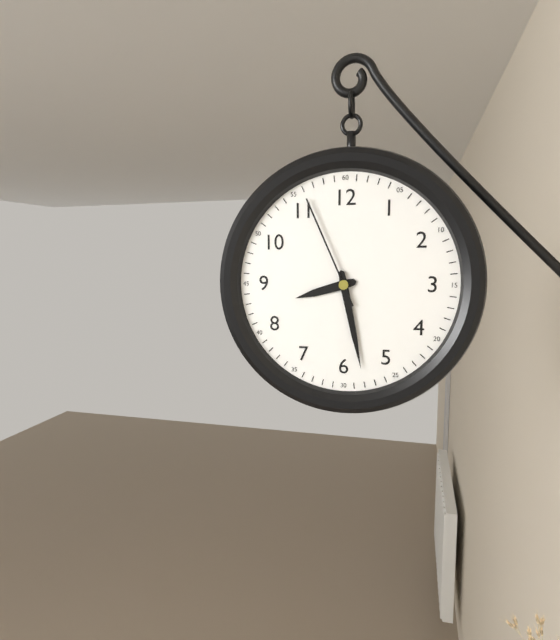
8:28:56
